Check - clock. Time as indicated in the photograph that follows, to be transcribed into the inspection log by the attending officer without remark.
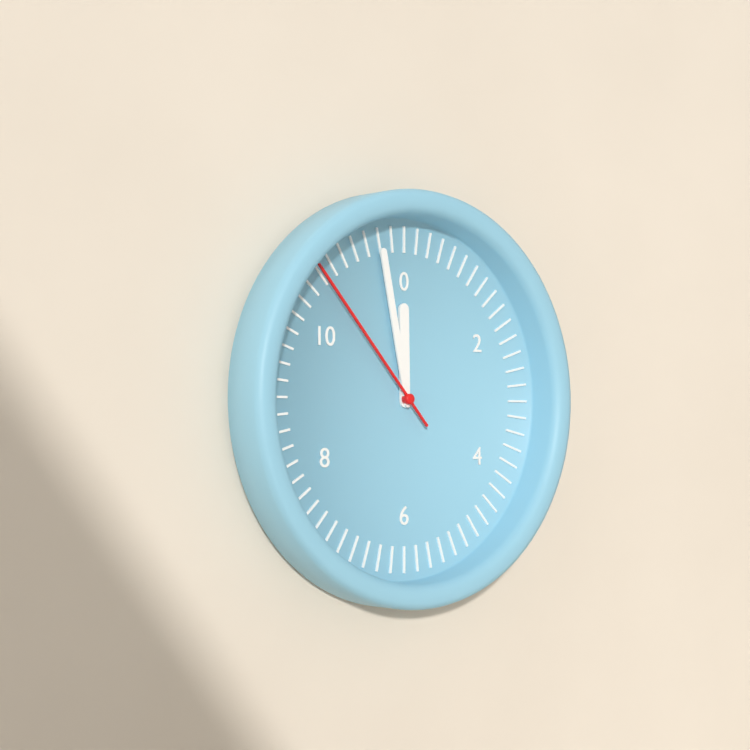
11:58:53
